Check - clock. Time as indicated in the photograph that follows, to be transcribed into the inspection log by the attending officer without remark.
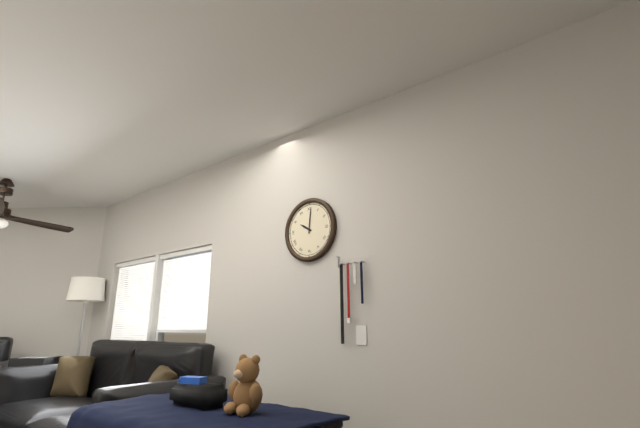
10:01
